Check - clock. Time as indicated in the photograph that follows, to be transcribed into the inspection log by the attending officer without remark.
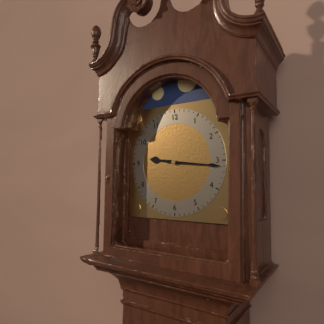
9:16
